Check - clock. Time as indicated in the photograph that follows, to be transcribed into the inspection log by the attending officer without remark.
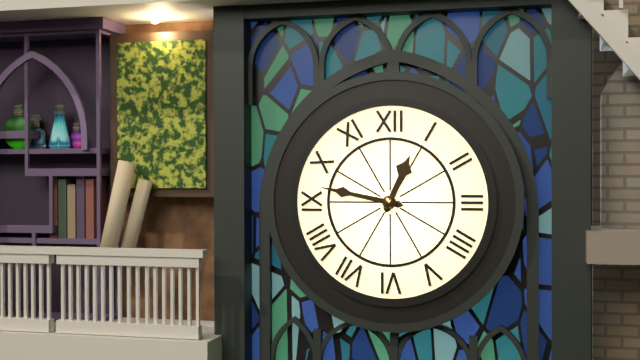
12:47
